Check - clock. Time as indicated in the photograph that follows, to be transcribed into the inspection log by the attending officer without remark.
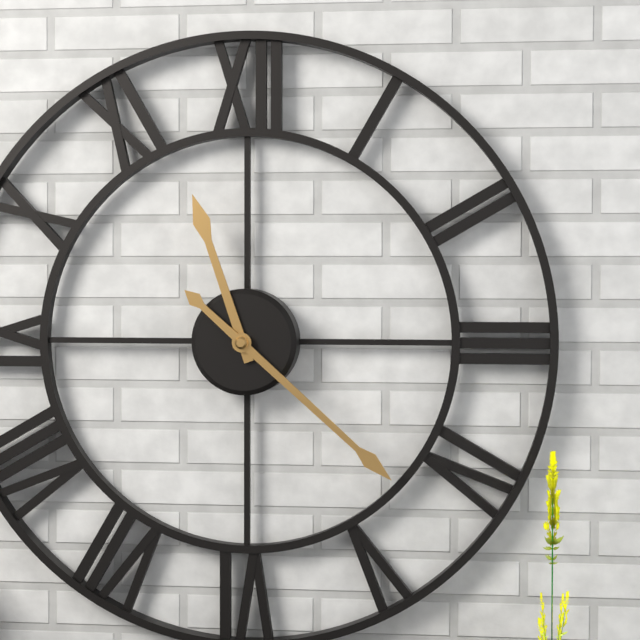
11:22
